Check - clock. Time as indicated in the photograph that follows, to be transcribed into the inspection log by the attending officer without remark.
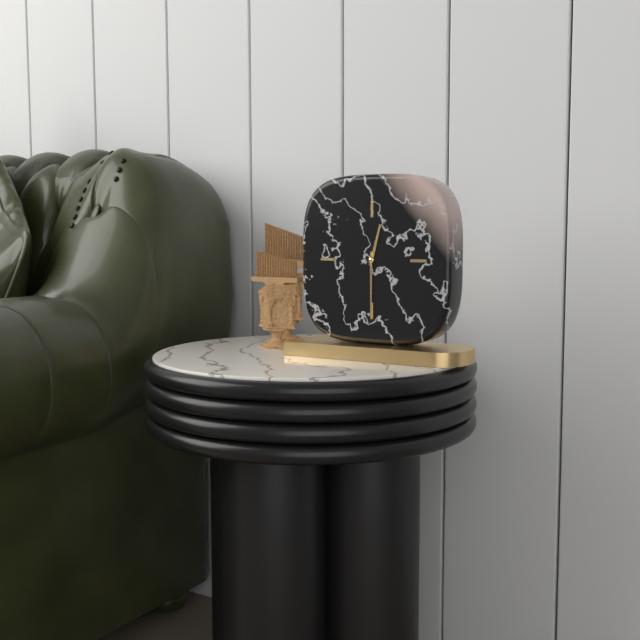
12:30
